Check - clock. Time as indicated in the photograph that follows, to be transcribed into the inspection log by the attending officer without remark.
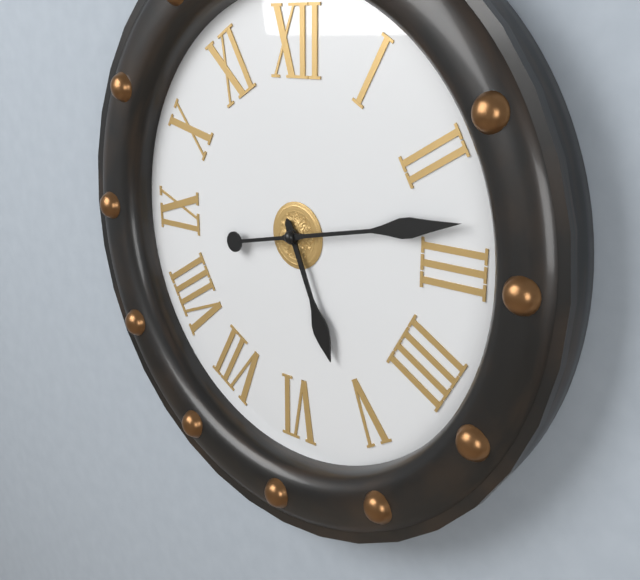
5:13
